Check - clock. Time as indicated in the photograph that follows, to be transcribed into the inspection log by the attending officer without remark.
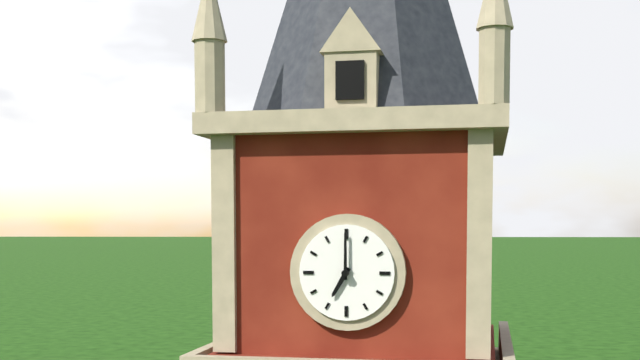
7:00
